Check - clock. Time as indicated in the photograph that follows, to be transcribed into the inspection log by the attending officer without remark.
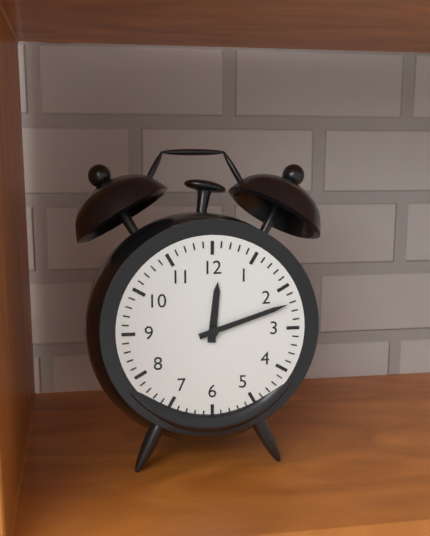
12:12
